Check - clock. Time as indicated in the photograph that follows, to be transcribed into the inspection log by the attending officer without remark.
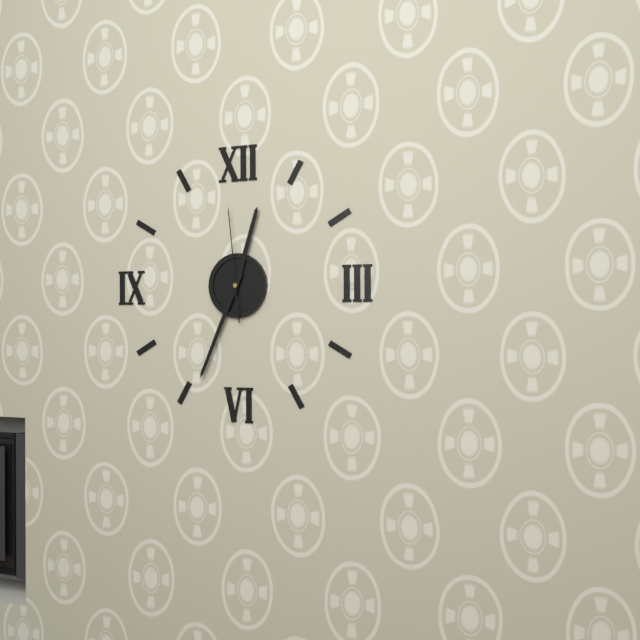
12:34:59
